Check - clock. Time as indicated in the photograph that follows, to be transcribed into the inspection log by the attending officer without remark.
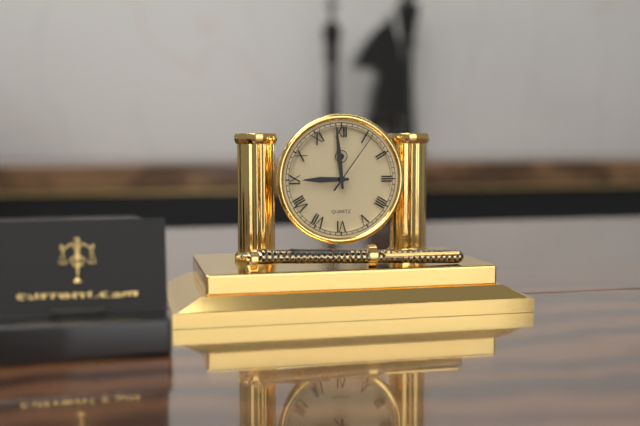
8:59:06
